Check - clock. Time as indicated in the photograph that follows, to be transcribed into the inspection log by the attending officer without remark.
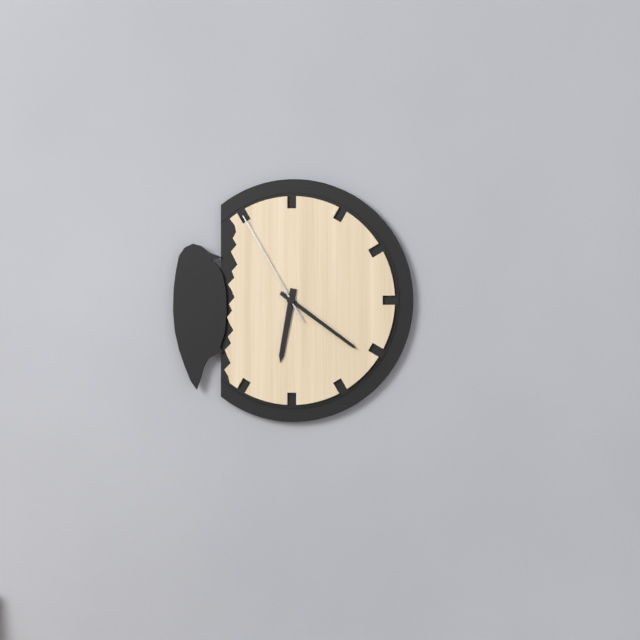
6:21:55
